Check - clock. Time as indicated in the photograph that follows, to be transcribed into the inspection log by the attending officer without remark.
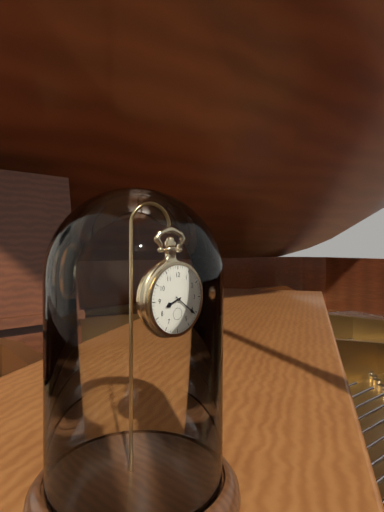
8:21
